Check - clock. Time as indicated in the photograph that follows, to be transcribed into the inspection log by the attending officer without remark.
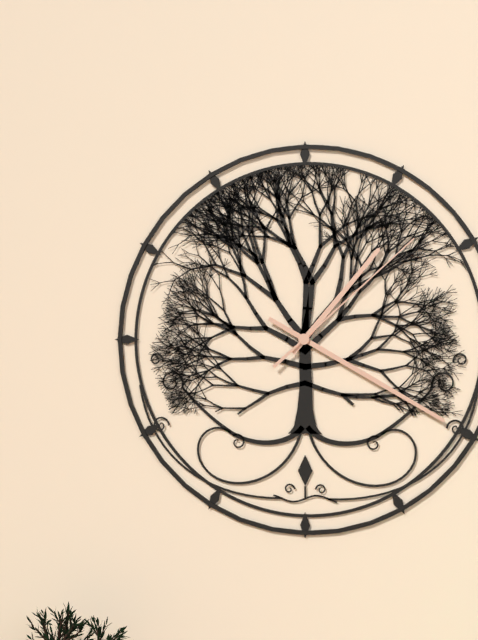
1:20:08
